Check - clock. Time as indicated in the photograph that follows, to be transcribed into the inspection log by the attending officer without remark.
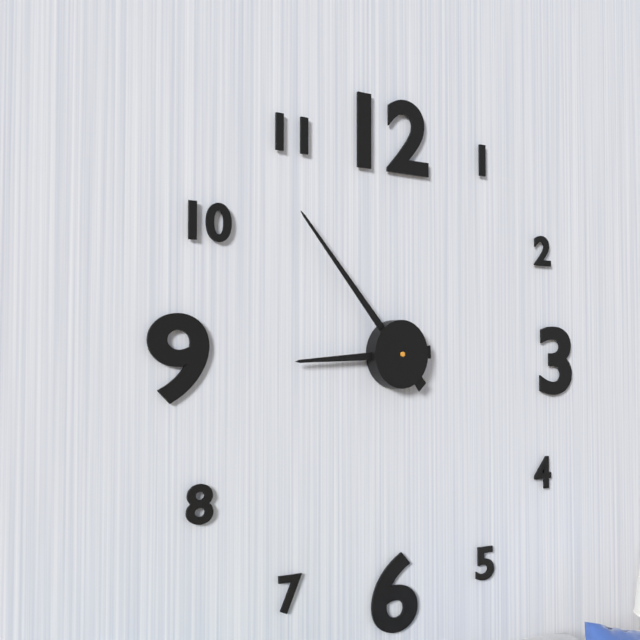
8:53
